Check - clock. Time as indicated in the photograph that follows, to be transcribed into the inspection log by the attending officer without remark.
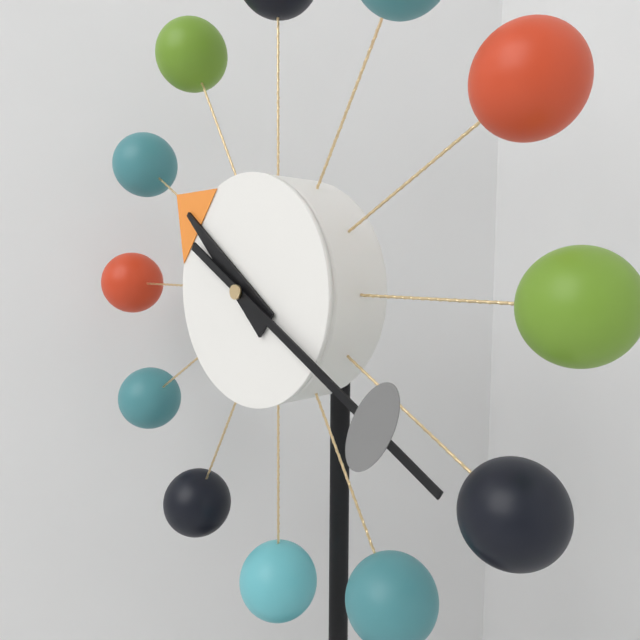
10:20
